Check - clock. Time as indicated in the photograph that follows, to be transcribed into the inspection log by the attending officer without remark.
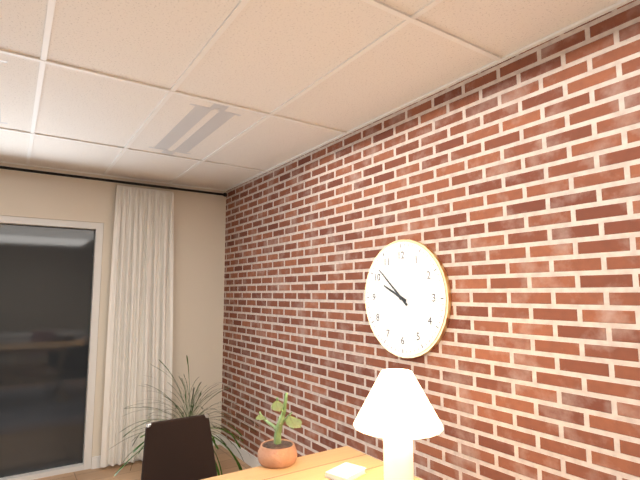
9:52
